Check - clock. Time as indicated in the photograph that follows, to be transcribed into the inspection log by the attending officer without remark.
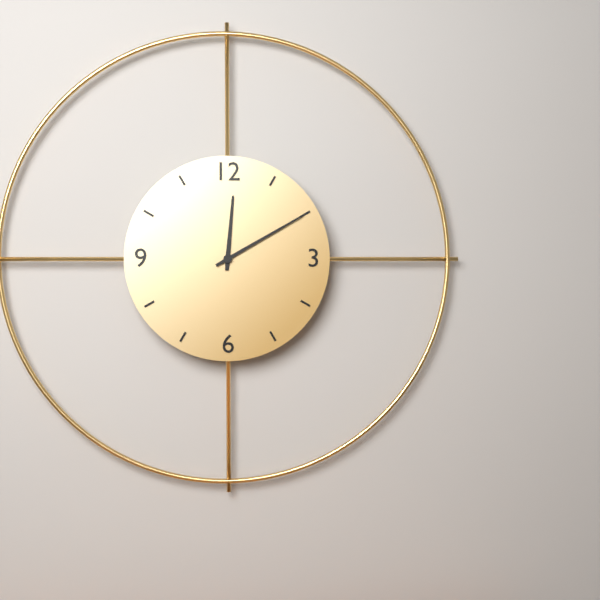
12:10
